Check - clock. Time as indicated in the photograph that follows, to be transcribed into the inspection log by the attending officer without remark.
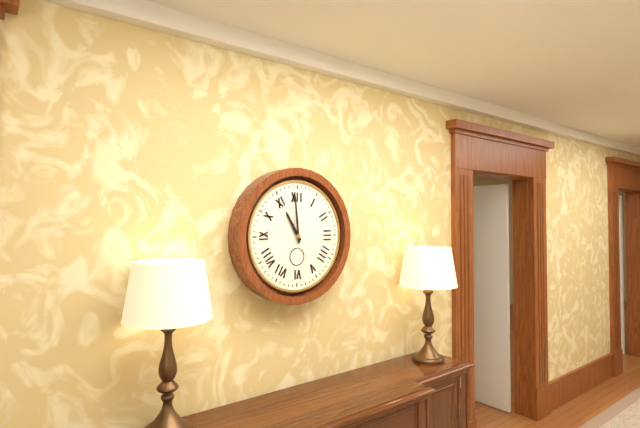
10:59
